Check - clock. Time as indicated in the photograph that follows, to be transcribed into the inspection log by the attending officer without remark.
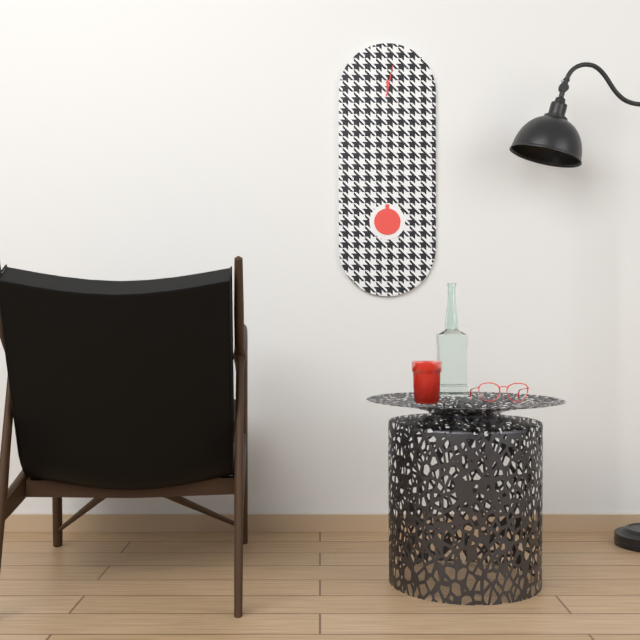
12:02
